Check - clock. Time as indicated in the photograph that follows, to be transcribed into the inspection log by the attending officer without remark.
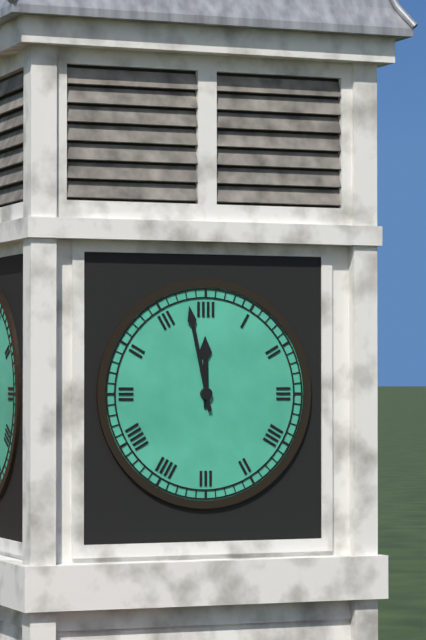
11:58
